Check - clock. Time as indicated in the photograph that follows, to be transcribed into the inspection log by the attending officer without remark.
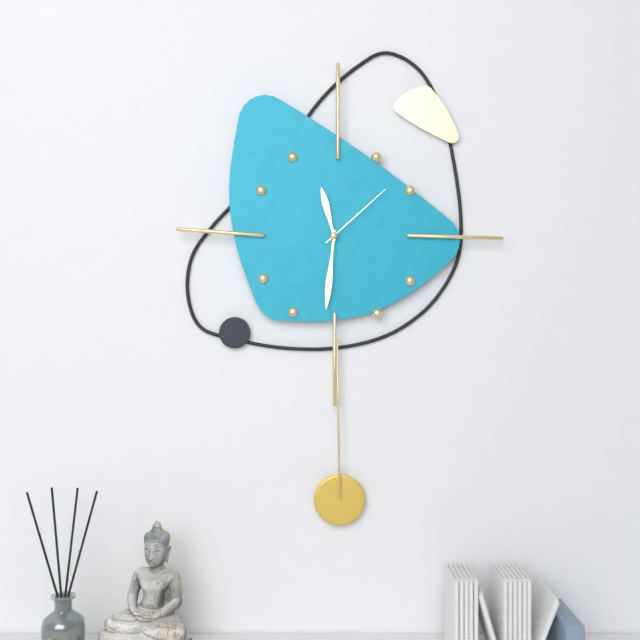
11:31:08
